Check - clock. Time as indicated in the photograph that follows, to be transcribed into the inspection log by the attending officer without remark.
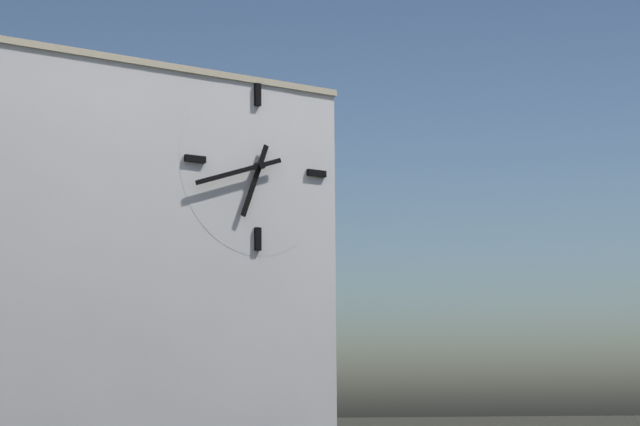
6:42
